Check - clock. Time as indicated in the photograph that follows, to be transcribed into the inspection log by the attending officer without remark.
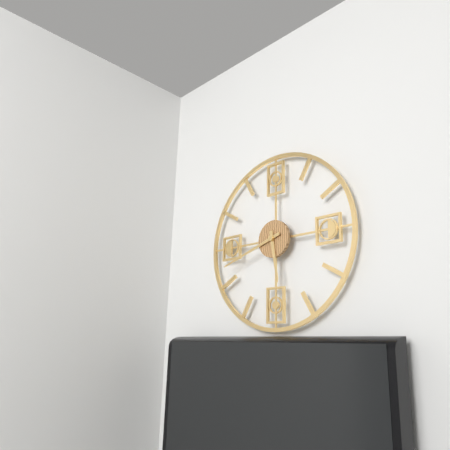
5:42
